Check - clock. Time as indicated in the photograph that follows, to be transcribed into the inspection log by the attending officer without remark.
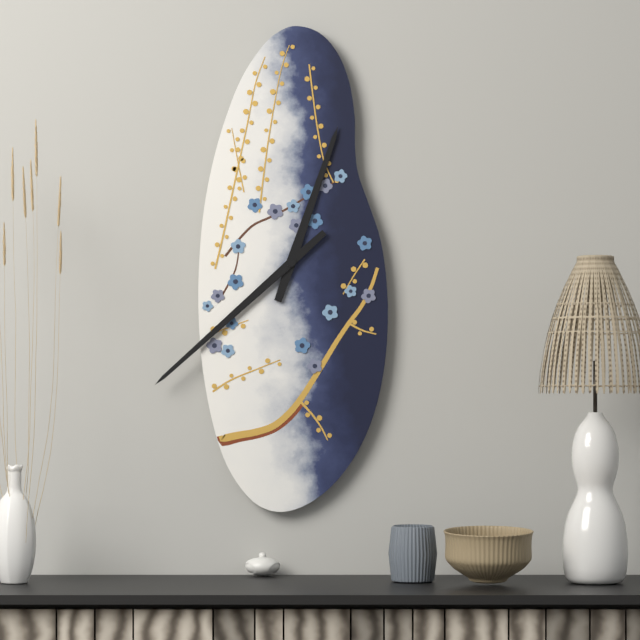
12:38
